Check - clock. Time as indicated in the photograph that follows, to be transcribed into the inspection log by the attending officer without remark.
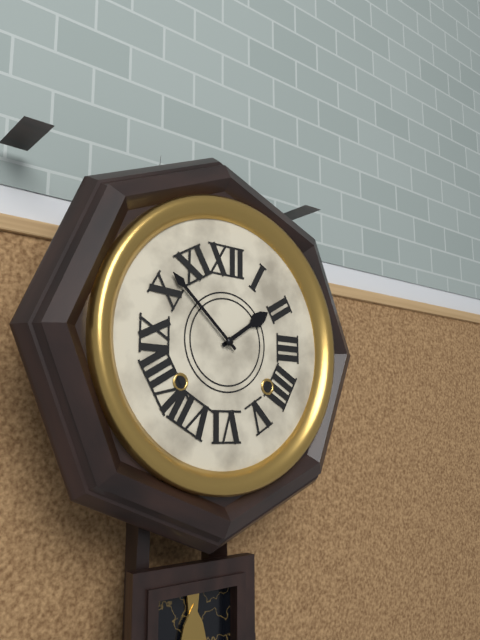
1:52
